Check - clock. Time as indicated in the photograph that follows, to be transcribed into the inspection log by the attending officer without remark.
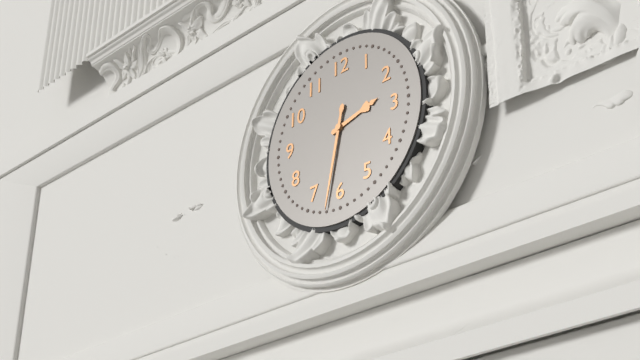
2:32
